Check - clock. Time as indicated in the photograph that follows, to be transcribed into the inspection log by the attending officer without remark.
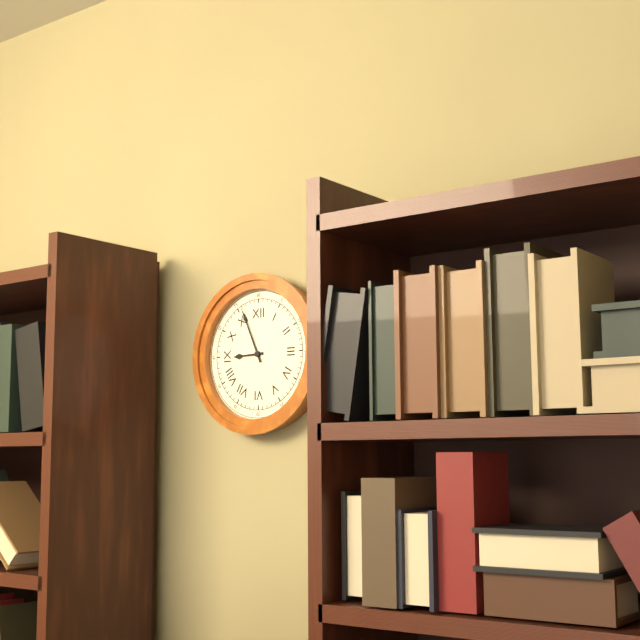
8:56
